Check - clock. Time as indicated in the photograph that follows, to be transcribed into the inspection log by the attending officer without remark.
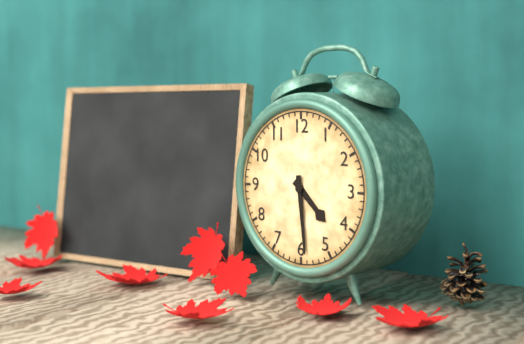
4:29
